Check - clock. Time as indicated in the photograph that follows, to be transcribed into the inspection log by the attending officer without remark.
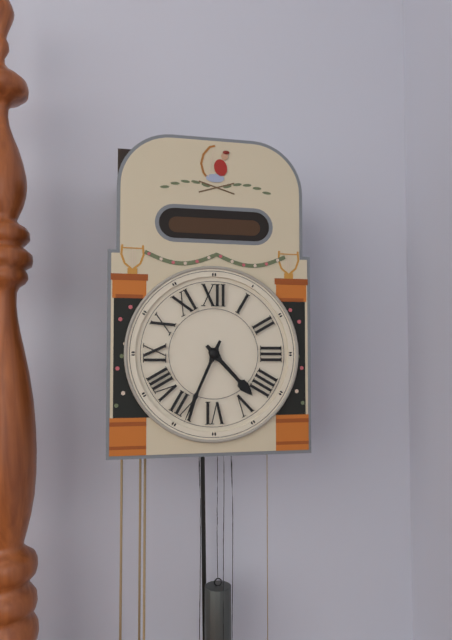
4:34
